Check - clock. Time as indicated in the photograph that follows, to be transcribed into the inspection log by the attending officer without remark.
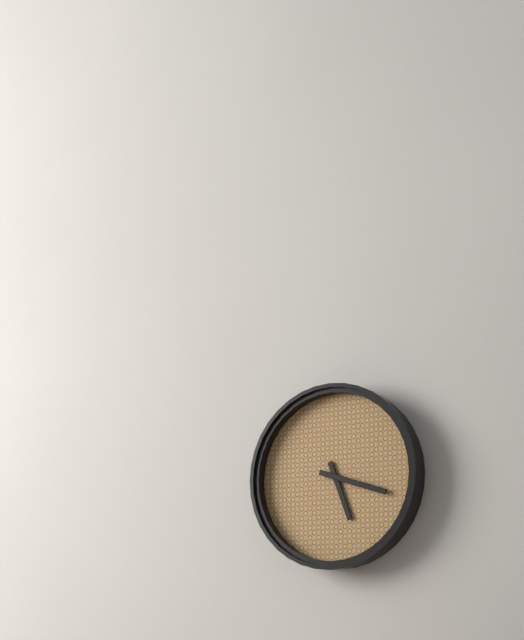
5:18
